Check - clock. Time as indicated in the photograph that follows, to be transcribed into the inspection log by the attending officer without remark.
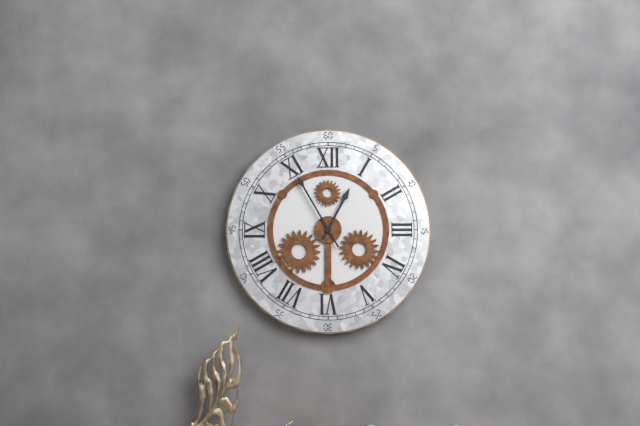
12:55
